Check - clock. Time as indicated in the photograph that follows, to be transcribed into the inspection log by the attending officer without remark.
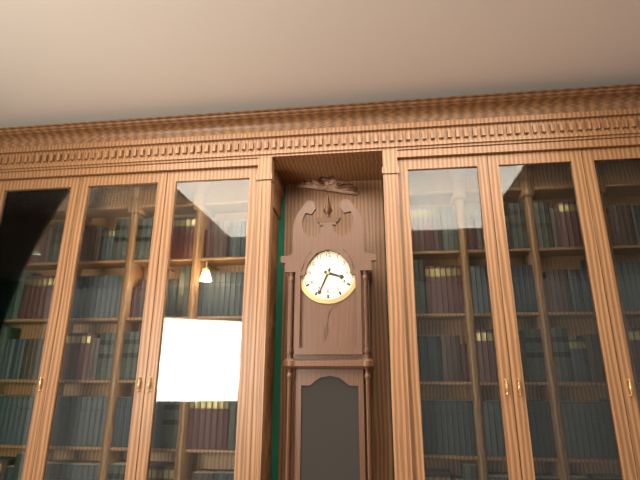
3:34
